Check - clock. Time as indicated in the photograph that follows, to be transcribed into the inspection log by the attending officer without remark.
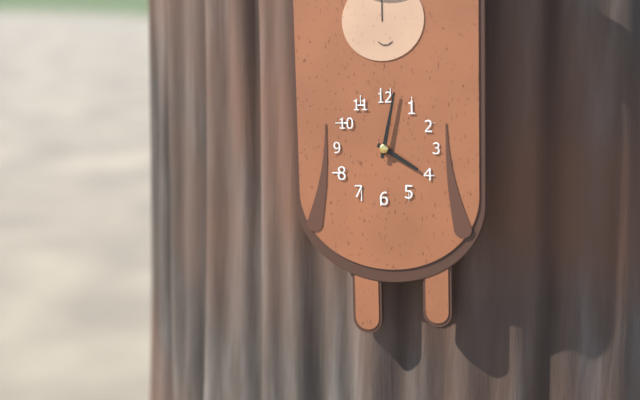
4:02
